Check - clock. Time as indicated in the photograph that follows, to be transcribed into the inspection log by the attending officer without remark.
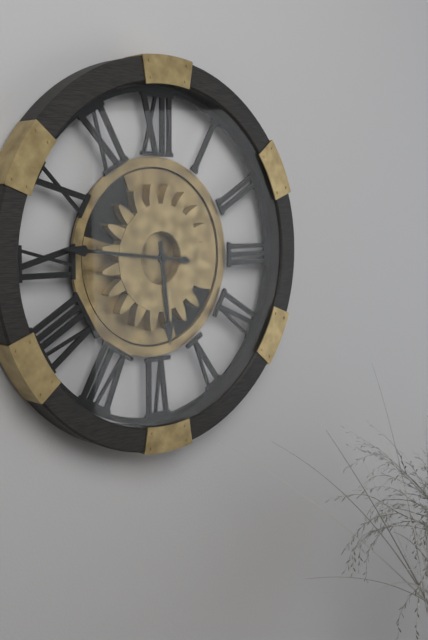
5:46
